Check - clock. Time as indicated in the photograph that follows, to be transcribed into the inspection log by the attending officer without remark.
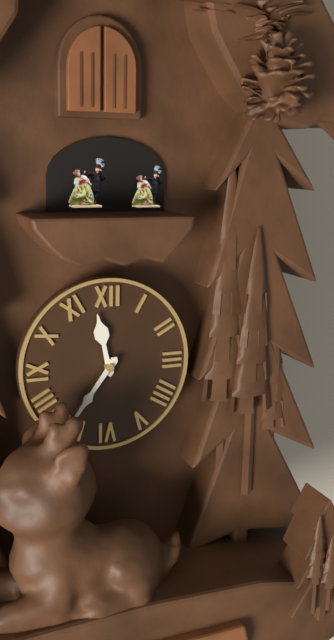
11:36
